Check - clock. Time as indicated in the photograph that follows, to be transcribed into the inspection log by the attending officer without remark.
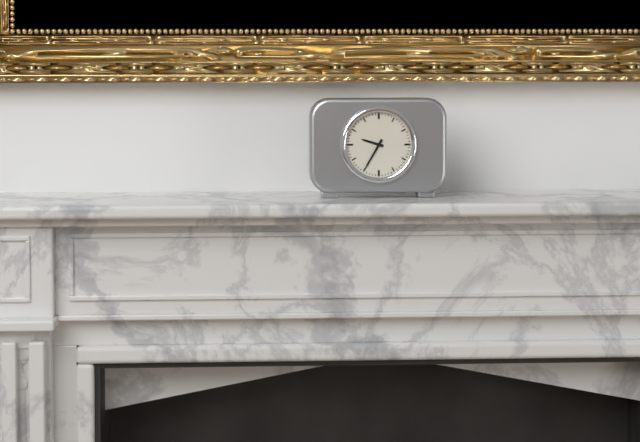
9:35
